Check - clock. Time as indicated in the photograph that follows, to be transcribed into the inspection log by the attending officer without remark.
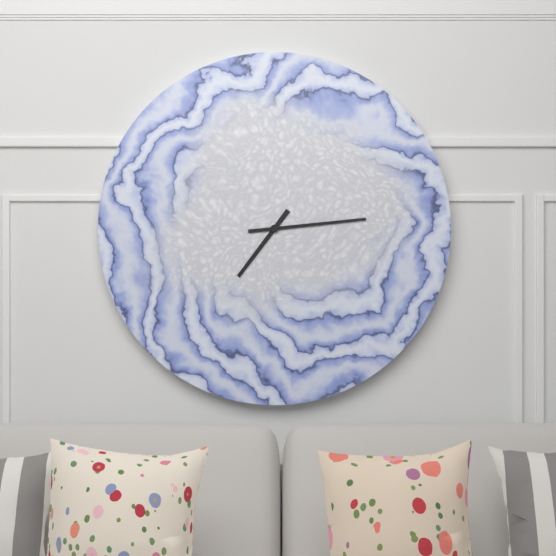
7:14
